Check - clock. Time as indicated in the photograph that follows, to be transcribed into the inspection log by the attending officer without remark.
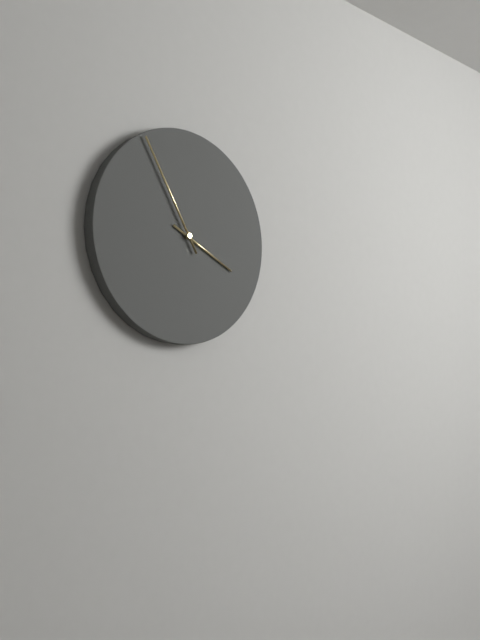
3:55
